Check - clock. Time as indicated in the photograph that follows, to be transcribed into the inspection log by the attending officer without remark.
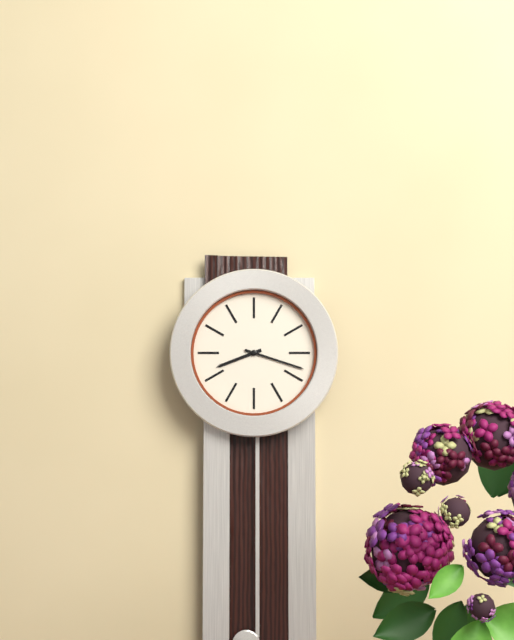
8:18
